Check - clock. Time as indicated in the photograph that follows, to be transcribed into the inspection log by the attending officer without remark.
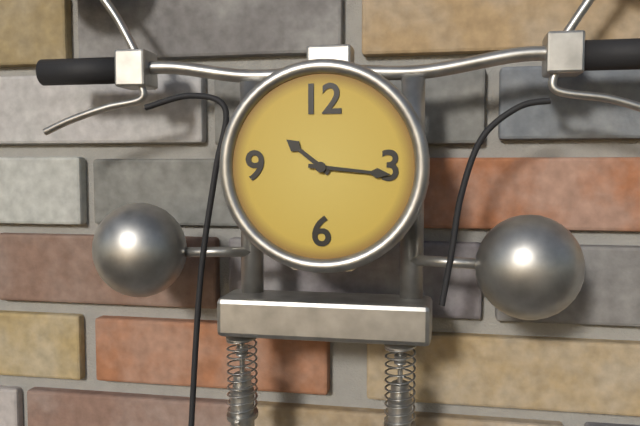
10:16
